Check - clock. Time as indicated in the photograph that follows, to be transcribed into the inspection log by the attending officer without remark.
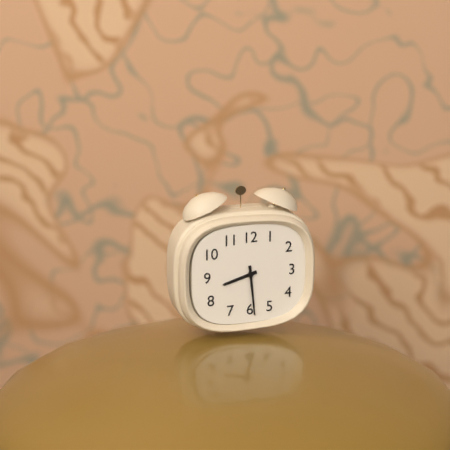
8:29
